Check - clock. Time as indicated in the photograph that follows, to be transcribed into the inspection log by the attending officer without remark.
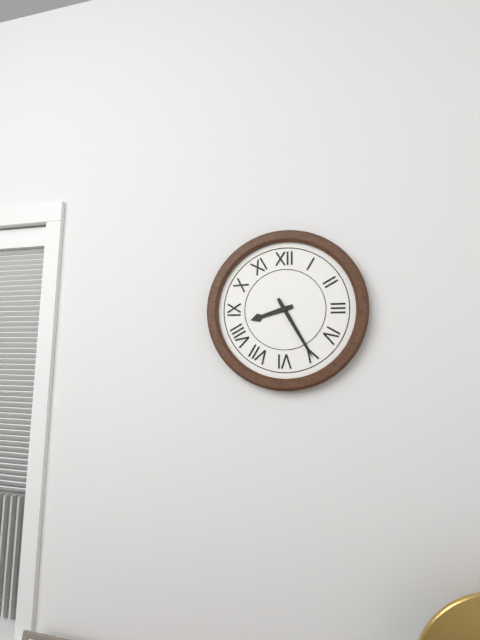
8:25
